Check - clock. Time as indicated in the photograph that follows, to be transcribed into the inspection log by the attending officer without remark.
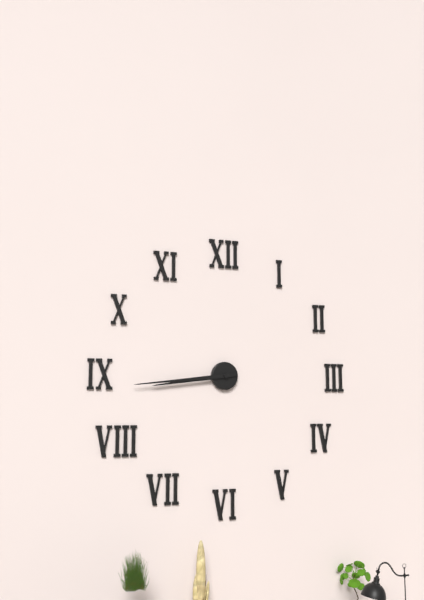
8:44
